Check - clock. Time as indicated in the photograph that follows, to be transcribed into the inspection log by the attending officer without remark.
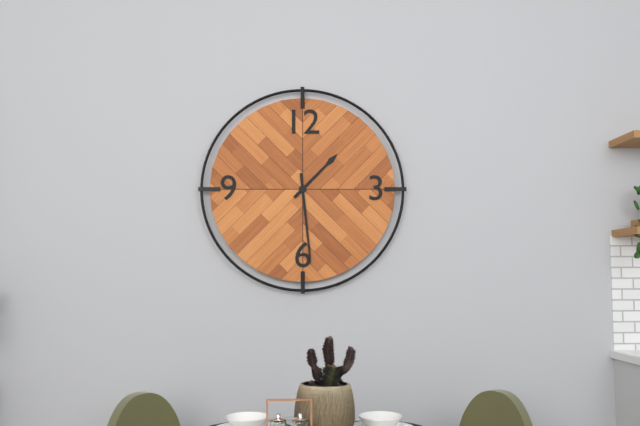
1:29
